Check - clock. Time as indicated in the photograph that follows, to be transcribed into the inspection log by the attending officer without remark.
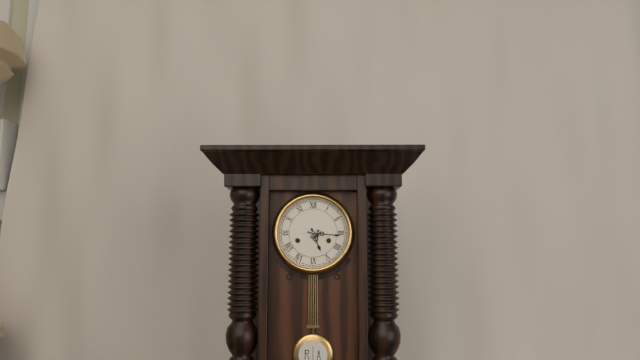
5:16
